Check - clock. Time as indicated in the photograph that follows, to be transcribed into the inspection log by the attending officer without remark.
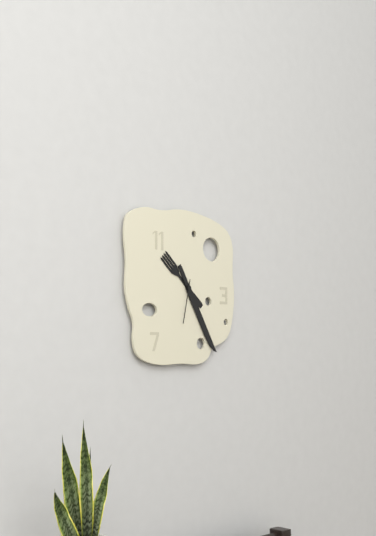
10:25
